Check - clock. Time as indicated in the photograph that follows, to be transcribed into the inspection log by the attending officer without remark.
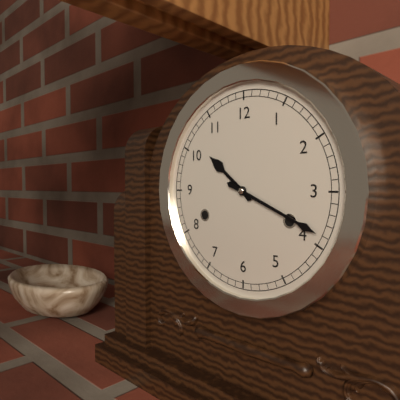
10:19
